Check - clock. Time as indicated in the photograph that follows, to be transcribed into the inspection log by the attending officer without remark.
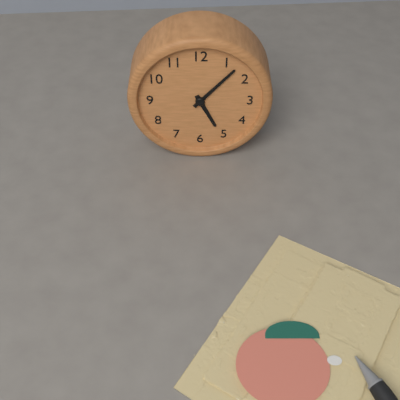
5:07
